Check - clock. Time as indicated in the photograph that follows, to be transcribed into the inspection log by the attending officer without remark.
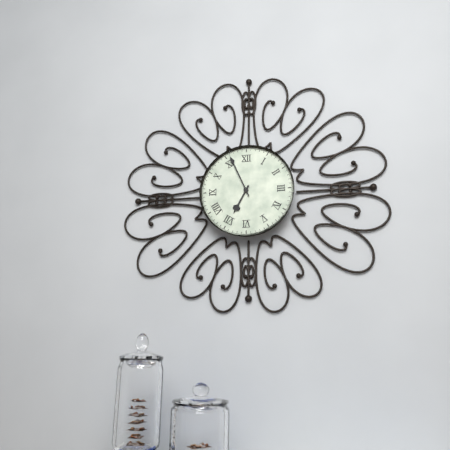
6:56
